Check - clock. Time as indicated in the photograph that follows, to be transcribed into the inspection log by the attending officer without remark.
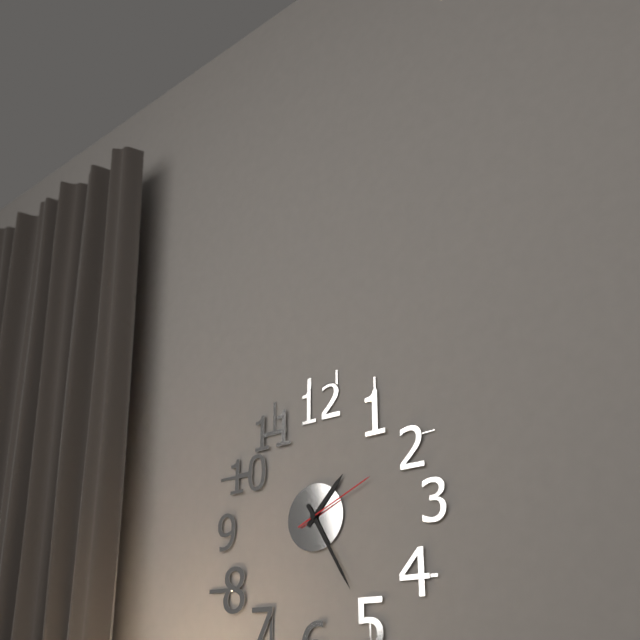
1:25:11
